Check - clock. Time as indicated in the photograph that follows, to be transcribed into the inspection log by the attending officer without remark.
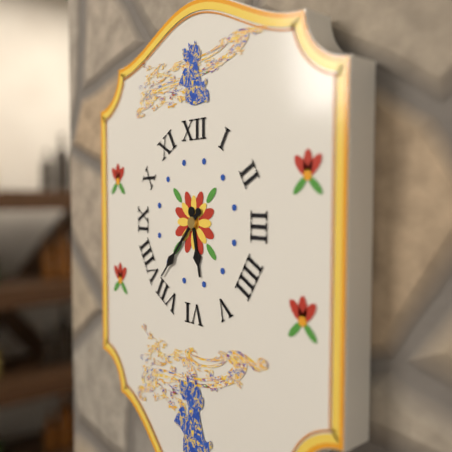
5:37
